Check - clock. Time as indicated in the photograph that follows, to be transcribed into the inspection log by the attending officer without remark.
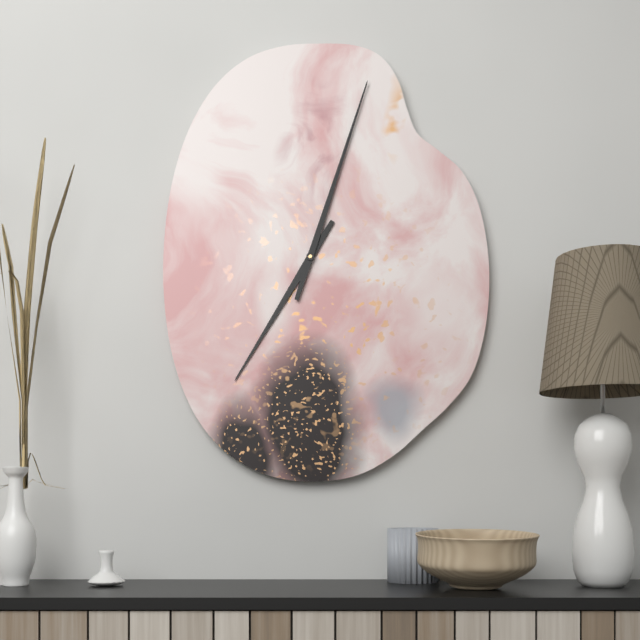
7:03
